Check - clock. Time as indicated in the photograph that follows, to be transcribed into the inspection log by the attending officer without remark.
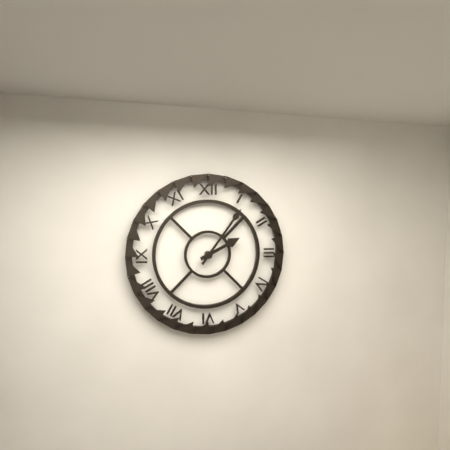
2:06
